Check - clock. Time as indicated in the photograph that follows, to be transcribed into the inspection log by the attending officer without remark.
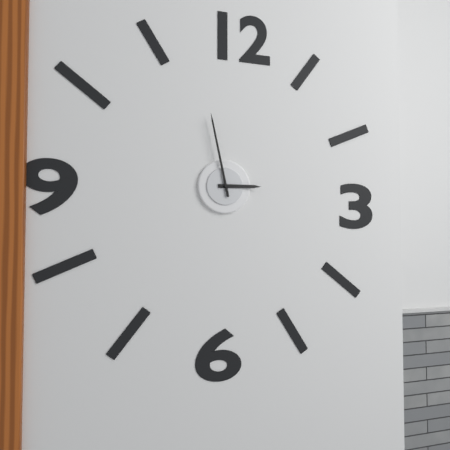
2:58
